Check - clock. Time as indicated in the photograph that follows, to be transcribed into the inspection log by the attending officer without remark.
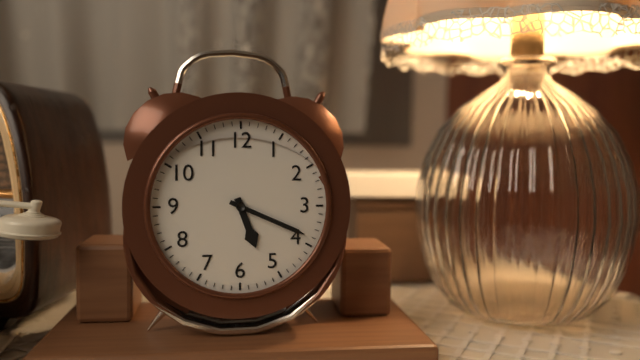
5:19
